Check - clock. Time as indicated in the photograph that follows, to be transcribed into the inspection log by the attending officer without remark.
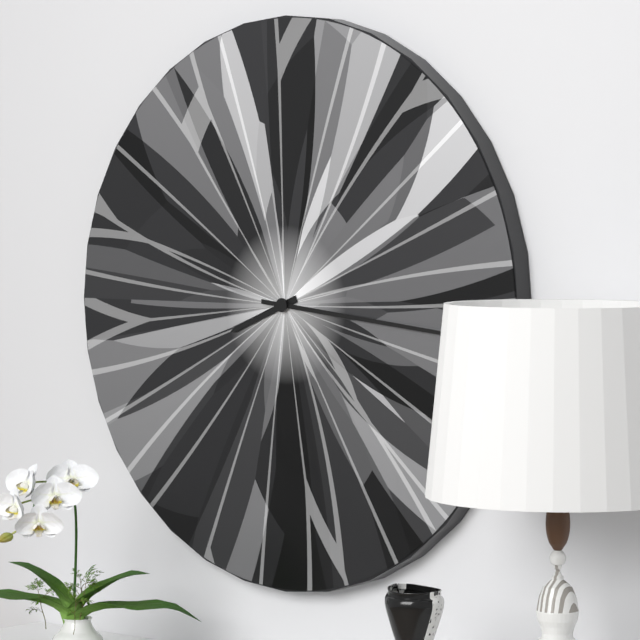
8:16
